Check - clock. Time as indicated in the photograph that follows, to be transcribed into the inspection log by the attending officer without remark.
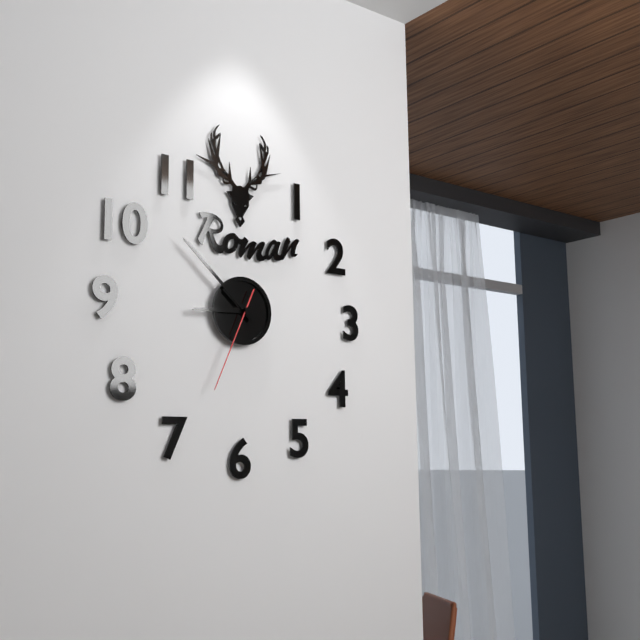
8:52:34
